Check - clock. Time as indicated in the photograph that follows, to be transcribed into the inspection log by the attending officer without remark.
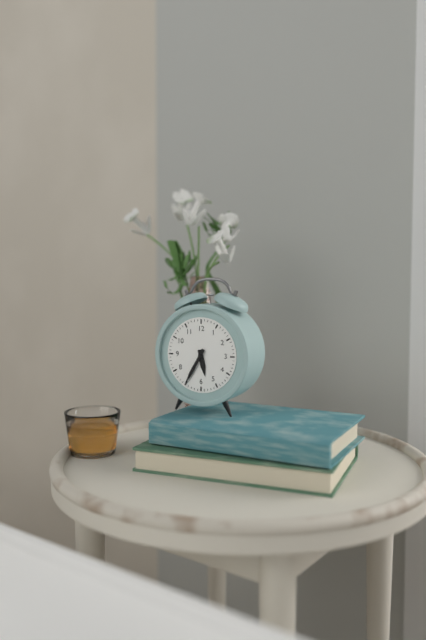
5:35
